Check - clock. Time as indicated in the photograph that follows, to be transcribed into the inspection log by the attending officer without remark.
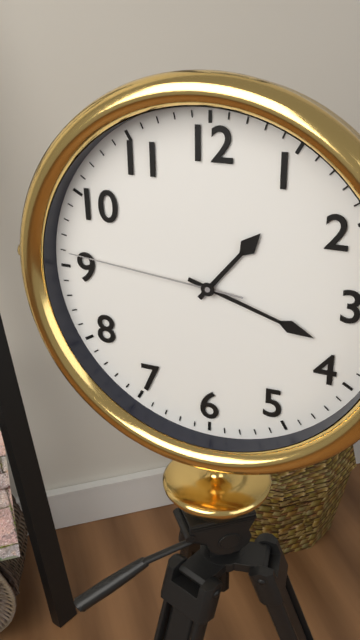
1:18:46
